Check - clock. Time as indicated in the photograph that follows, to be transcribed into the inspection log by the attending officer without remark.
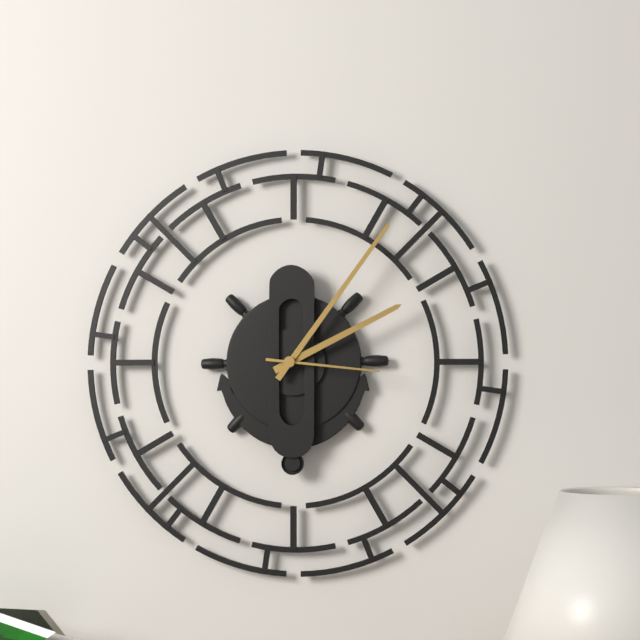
2:06:16
